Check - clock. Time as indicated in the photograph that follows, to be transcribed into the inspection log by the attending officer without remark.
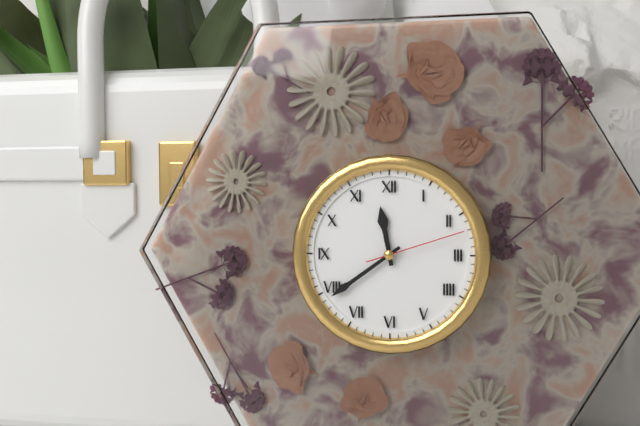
11:39:12
